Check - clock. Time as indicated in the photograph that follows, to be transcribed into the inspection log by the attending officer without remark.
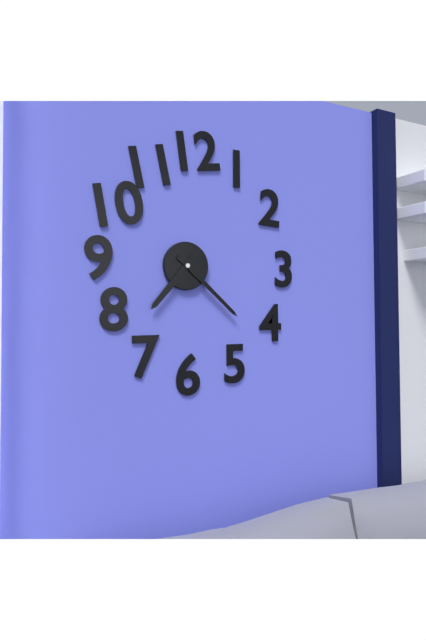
7:22
